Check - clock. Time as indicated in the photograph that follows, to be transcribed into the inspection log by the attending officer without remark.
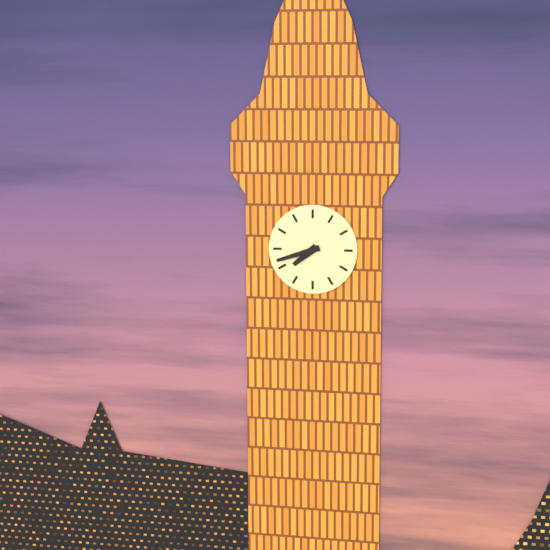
7:42
